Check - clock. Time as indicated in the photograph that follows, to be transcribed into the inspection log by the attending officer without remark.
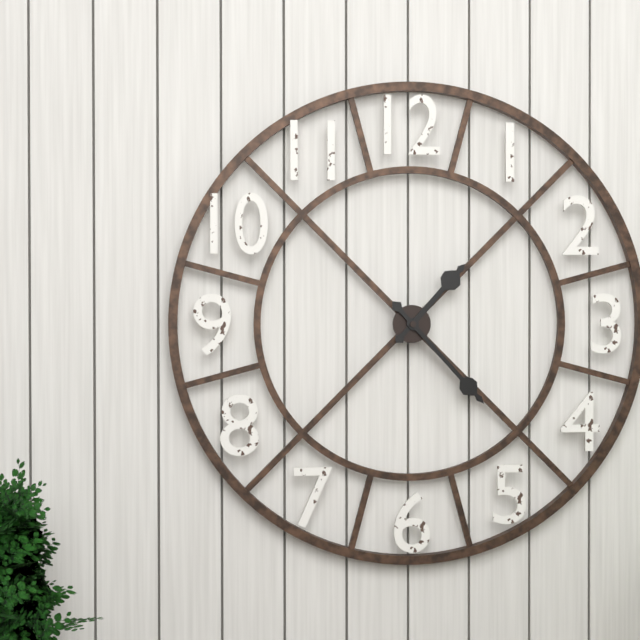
1:23
